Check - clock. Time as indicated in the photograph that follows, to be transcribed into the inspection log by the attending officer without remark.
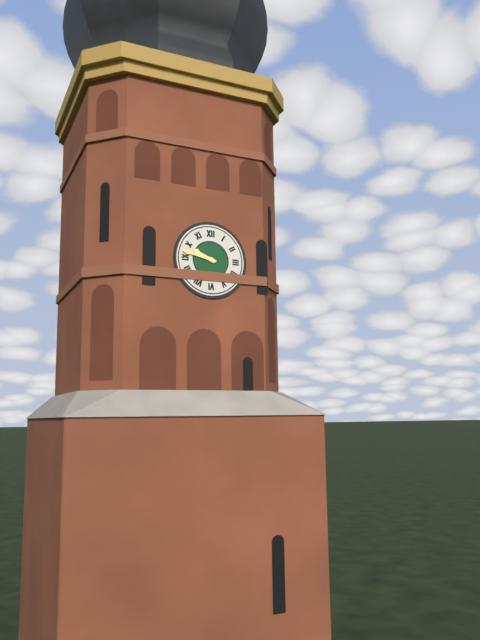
9:47
